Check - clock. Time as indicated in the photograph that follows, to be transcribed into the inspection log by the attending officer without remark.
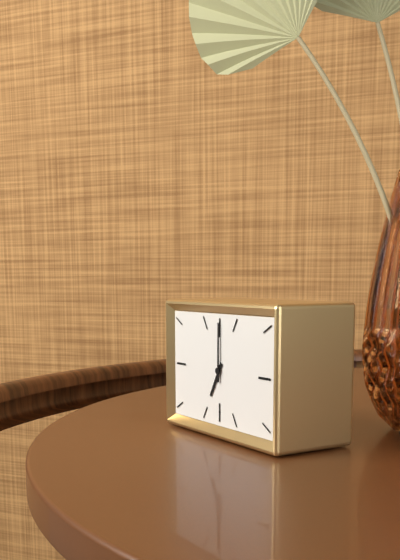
7:00
